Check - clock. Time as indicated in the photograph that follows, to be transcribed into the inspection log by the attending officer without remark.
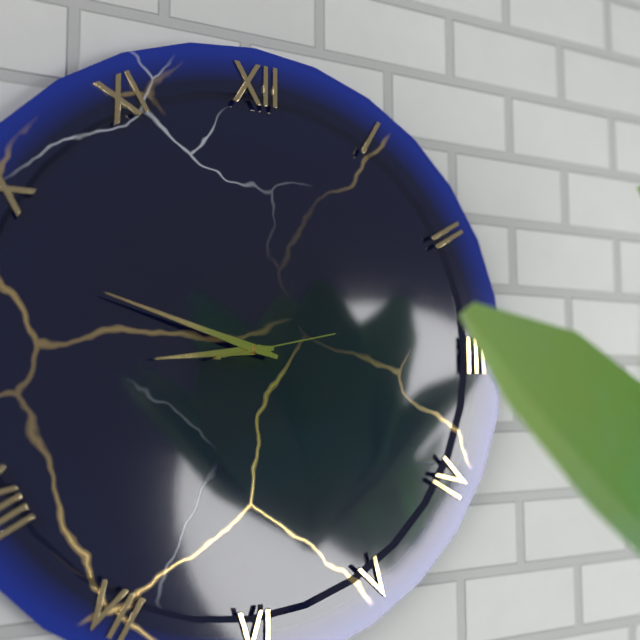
8:48:13
